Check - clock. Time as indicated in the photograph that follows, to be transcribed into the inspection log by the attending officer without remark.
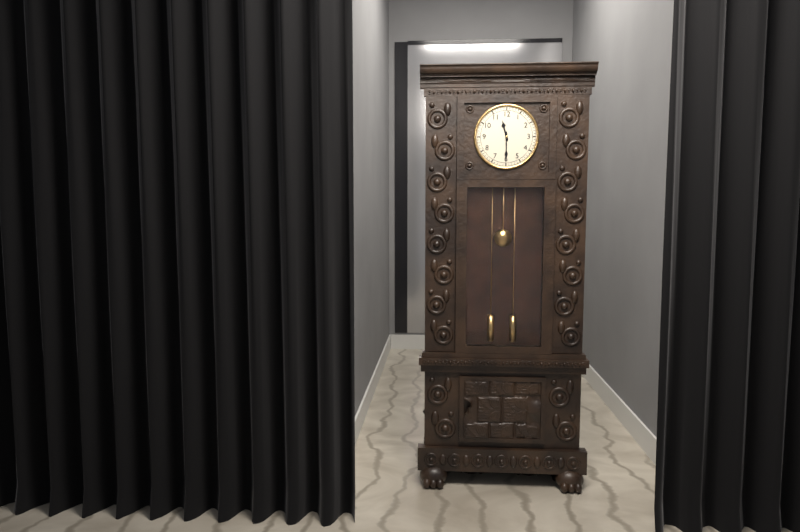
11:30
